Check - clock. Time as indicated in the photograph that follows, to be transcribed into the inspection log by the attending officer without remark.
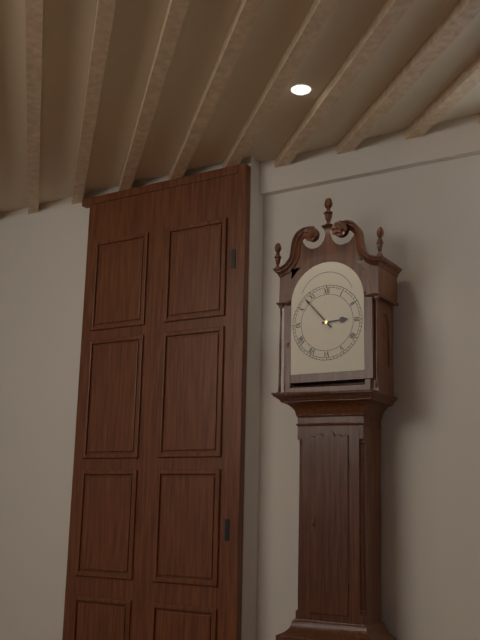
2:53
